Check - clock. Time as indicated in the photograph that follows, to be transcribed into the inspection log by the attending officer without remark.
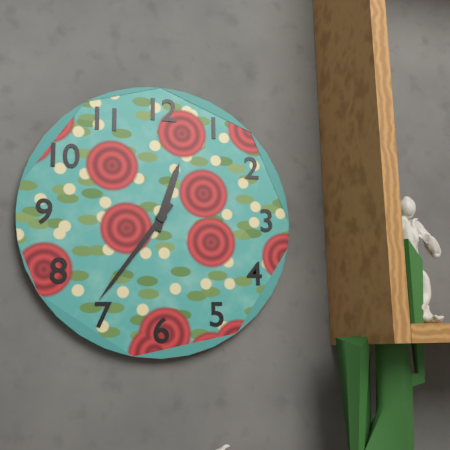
12:36
